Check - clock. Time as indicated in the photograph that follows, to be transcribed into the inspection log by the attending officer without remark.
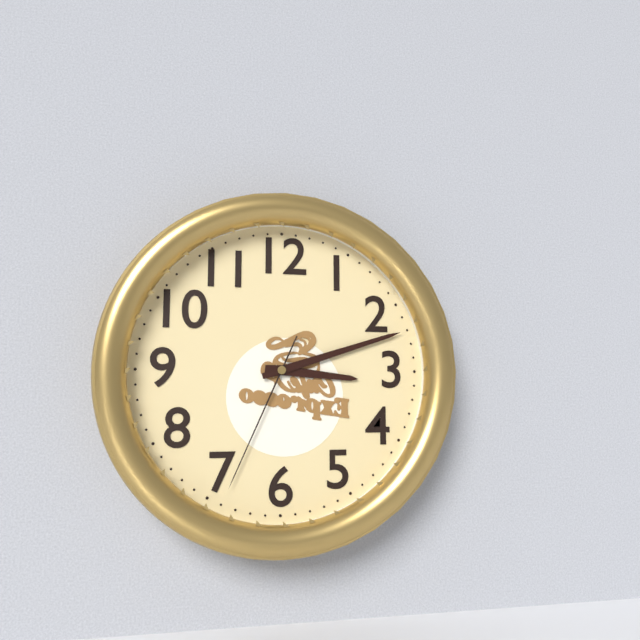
3:12:34
